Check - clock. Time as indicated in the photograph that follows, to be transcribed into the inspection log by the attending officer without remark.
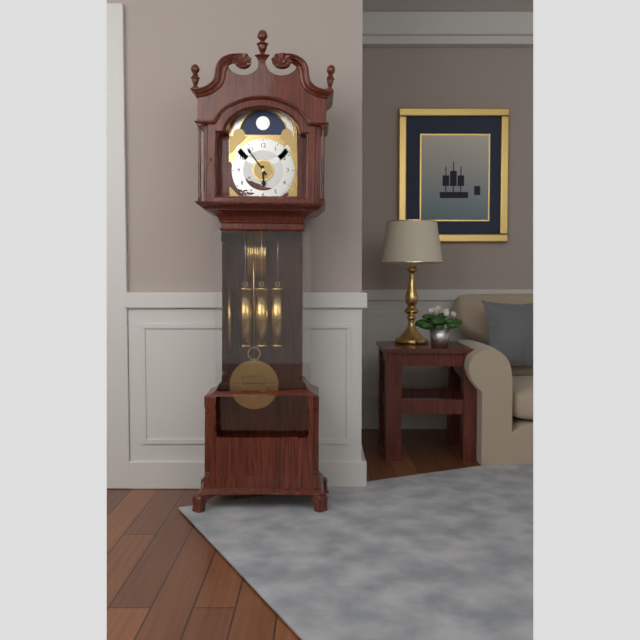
5:54
